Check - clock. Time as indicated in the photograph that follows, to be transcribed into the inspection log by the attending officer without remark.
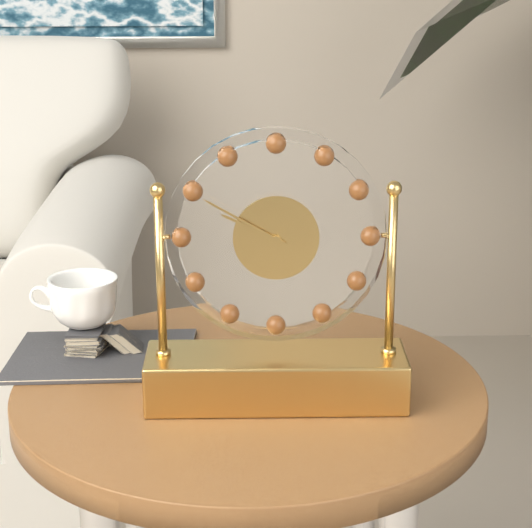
9:50
